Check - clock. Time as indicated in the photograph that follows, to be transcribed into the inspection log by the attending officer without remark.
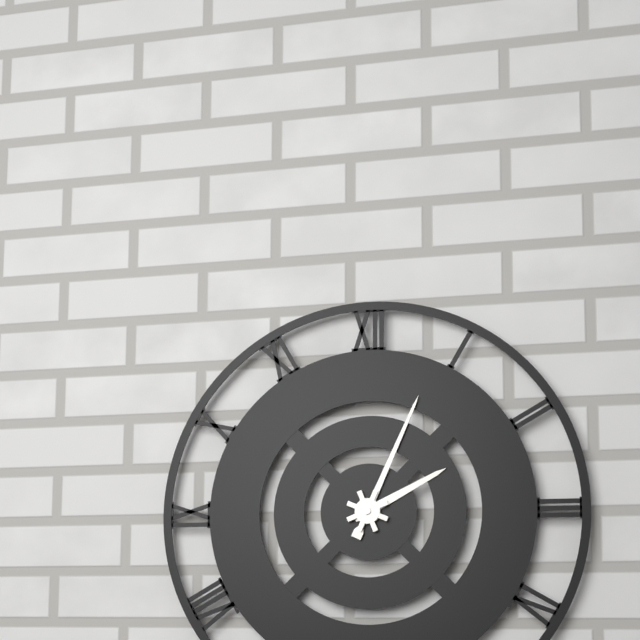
2:04
